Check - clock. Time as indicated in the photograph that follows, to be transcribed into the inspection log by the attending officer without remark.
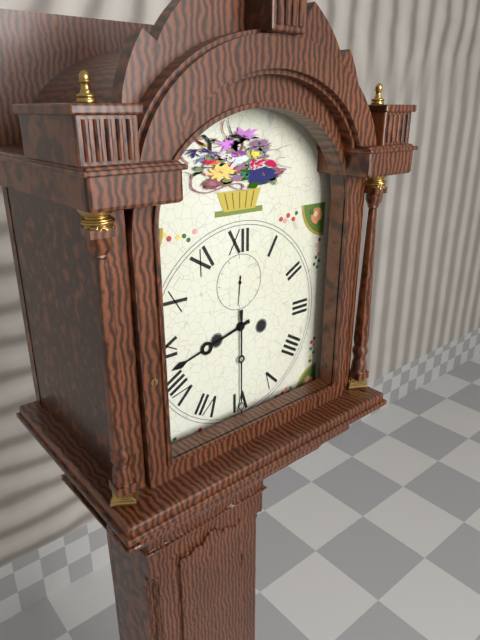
8:30
